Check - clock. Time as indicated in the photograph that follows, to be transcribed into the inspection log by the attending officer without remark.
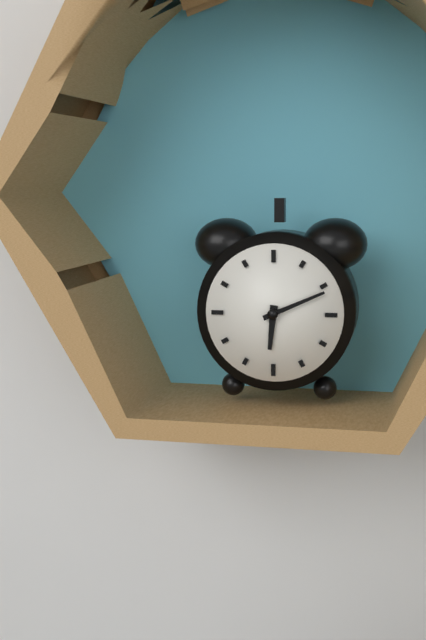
6:11
